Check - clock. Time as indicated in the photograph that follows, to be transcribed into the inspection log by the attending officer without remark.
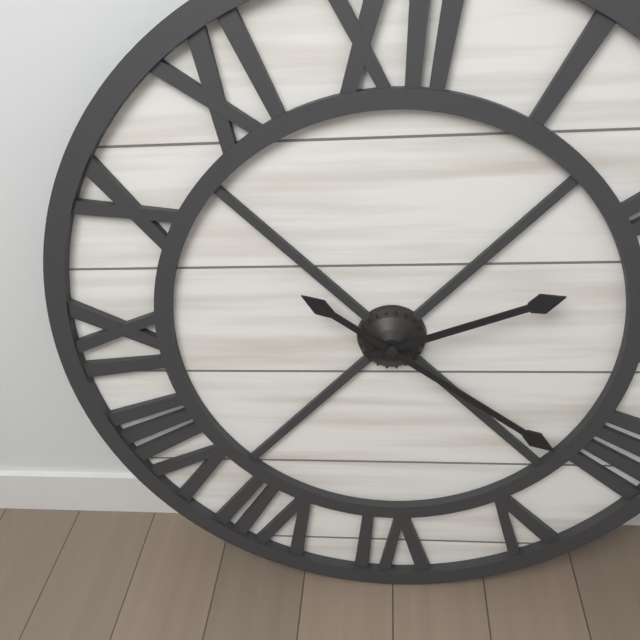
2:21
